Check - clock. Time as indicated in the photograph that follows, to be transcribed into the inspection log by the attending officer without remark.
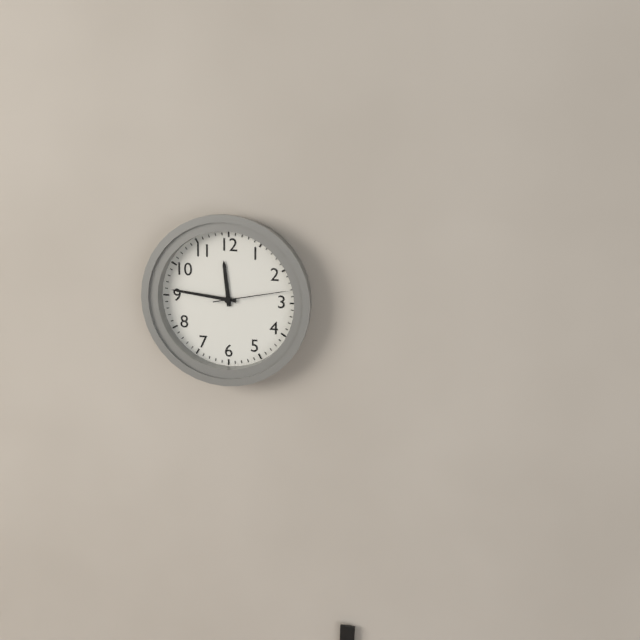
11:46:13
